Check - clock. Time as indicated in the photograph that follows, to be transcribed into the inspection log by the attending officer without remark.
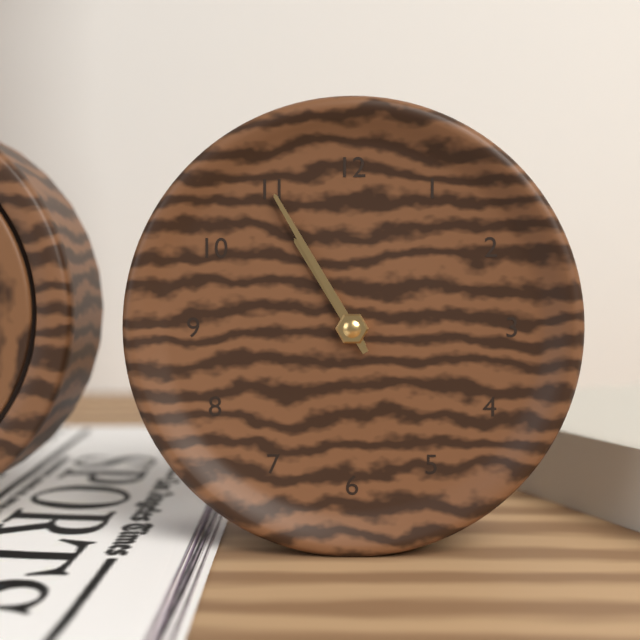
10:55
